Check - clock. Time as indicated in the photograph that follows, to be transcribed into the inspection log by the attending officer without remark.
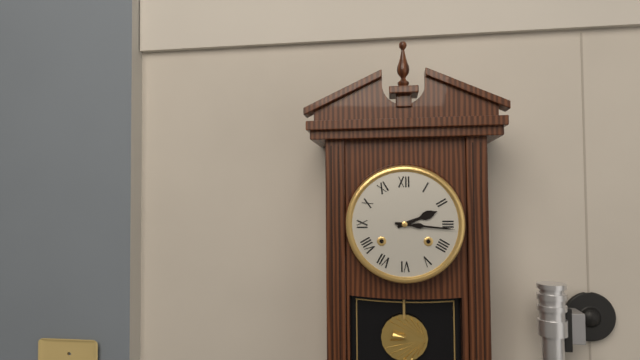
2:16
